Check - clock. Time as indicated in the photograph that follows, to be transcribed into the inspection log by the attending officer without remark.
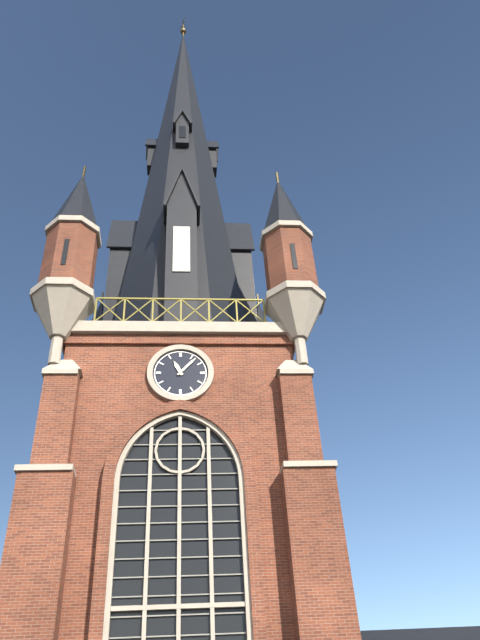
11:07
